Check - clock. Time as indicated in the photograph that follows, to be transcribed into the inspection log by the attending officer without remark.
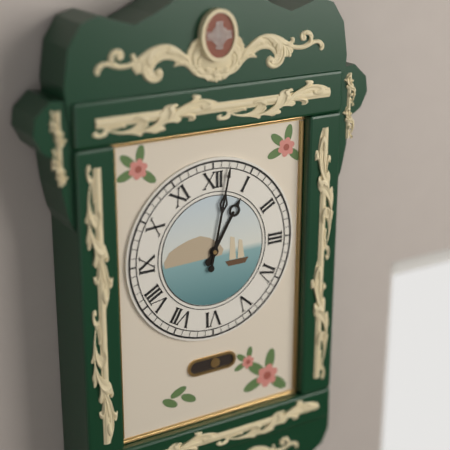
1:02
